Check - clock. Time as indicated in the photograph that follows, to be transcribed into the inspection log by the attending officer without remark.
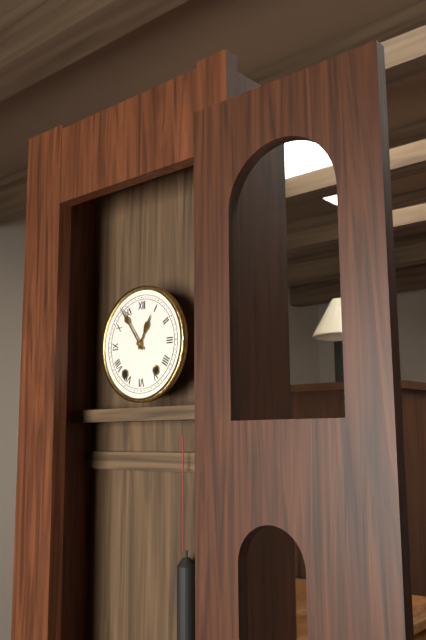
12:54
